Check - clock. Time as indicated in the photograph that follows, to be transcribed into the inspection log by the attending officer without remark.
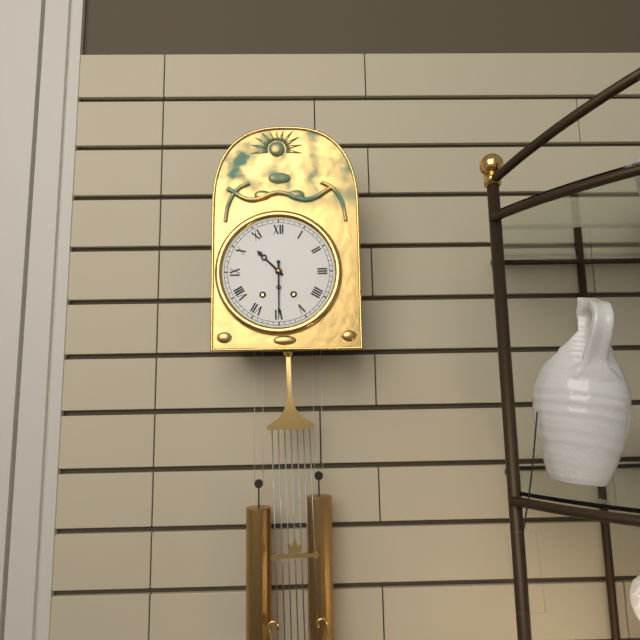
10:30
